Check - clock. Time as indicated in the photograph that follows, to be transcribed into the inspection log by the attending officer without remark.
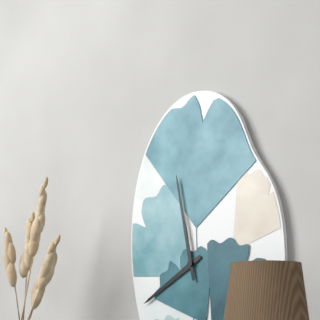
7:58
